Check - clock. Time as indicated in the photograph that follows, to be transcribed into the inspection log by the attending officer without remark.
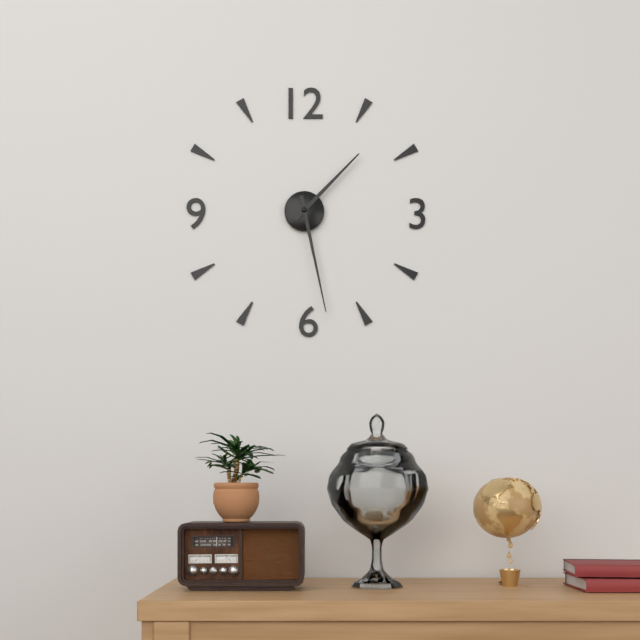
1:28
